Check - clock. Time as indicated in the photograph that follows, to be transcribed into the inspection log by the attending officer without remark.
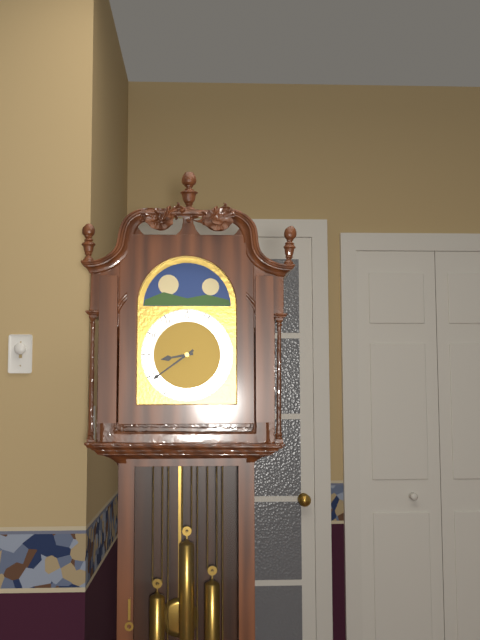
8:39
